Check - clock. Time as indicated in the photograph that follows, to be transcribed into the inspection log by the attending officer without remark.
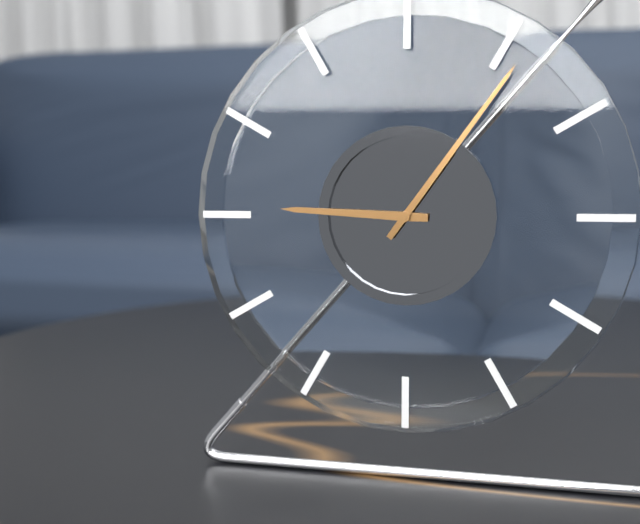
9:06
